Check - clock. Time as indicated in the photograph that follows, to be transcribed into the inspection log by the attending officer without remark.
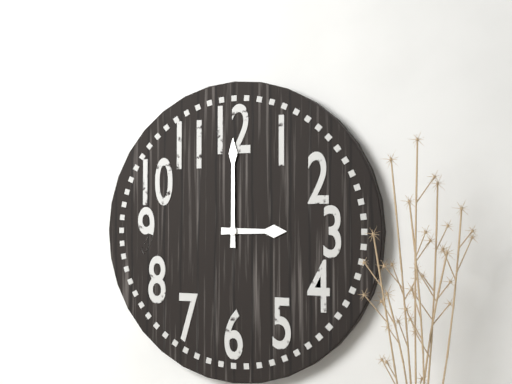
3:00
